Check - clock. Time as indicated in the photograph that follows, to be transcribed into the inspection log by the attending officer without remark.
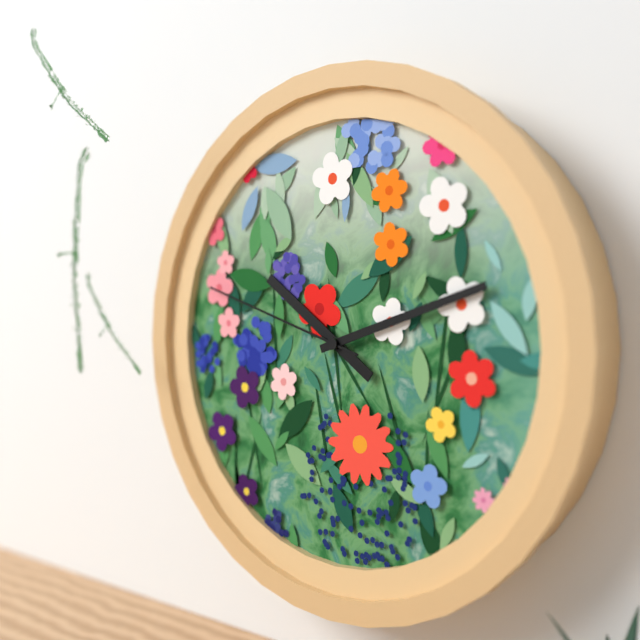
10:12:48
